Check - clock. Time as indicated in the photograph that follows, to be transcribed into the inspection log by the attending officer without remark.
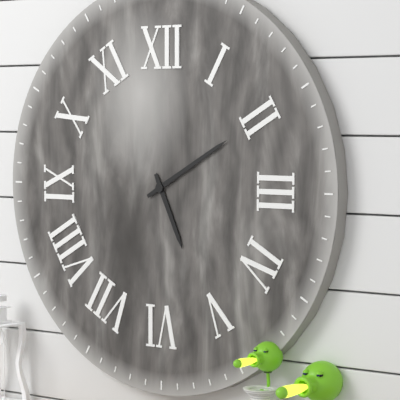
5:10
